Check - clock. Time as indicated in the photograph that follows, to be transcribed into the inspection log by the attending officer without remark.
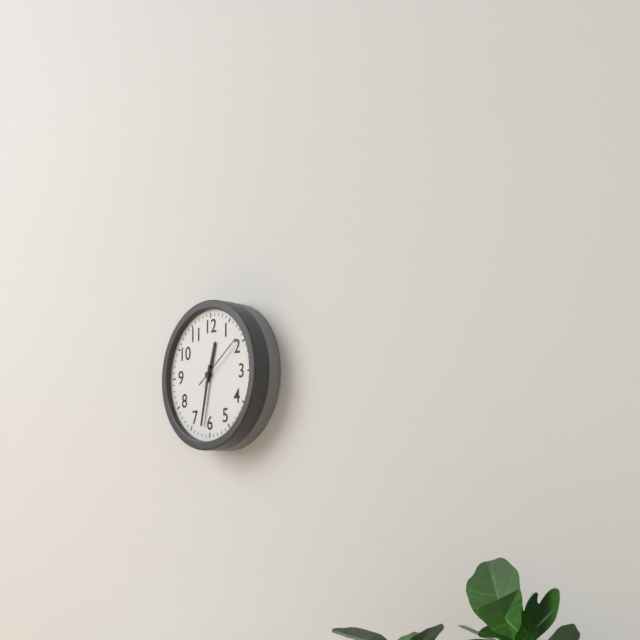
12:32
